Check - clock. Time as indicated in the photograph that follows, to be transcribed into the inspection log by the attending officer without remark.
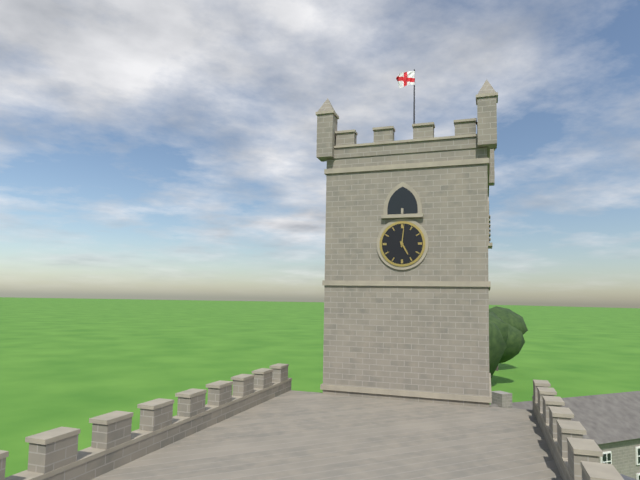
5:01
